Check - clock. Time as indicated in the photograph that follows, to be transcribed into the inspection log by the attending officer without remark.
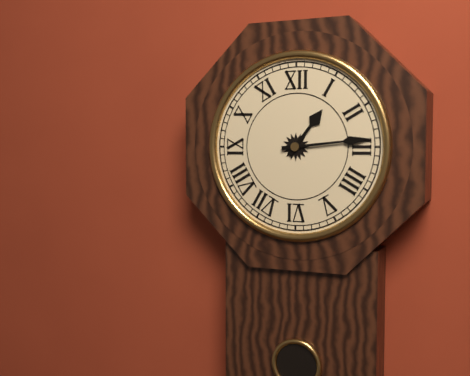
1:14
